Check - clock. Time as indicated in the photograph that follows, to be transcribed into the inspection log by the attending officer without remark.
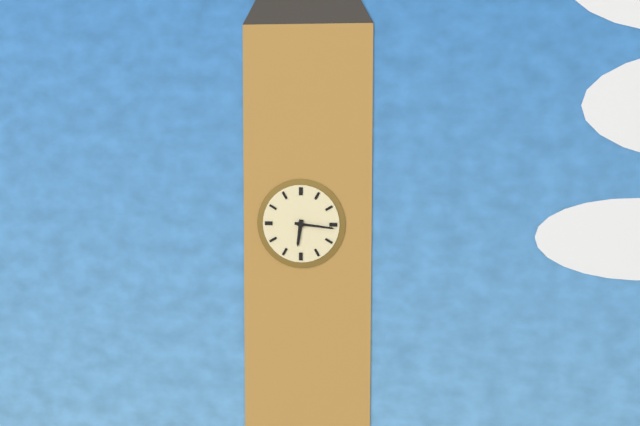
6:16
